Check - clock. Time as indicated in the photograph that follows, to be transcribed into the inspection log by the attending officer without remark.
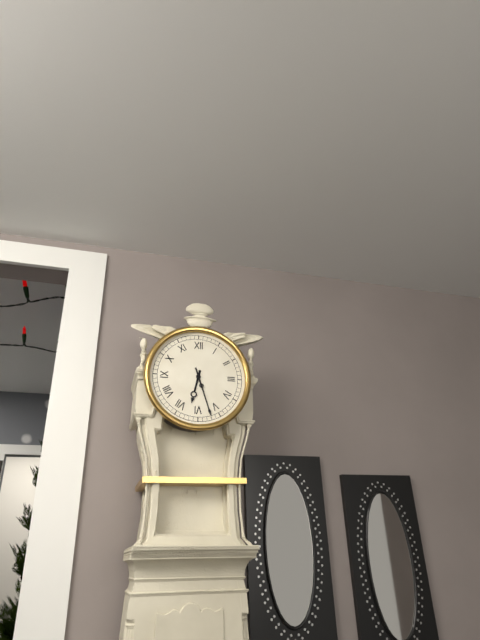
6:27
